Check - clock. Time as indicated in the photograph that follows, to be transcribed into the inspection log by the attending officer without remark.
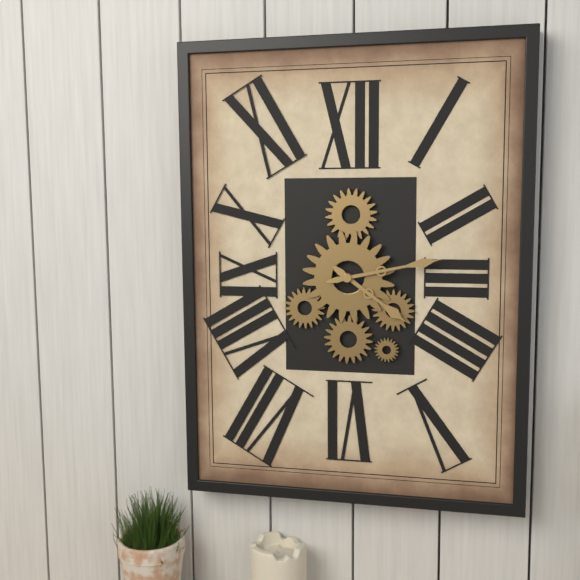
4:13
